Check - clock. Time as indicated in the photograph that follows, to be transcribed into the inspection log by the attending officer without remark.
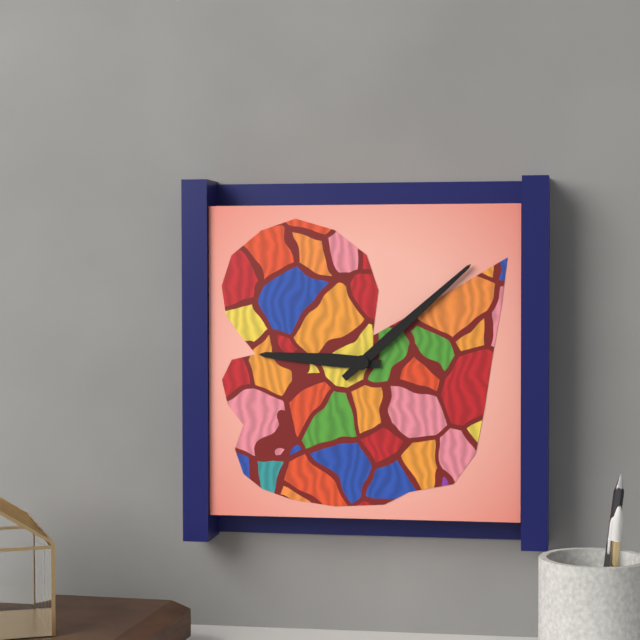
9:08
